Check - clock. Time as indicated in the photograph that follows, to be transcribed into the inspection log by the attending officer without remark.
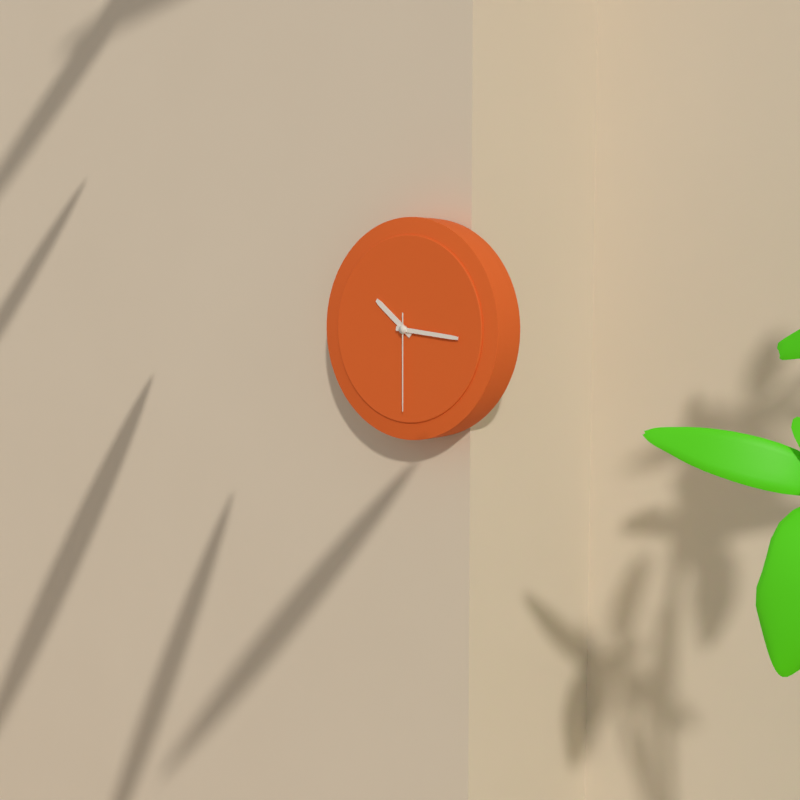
10:16:30
